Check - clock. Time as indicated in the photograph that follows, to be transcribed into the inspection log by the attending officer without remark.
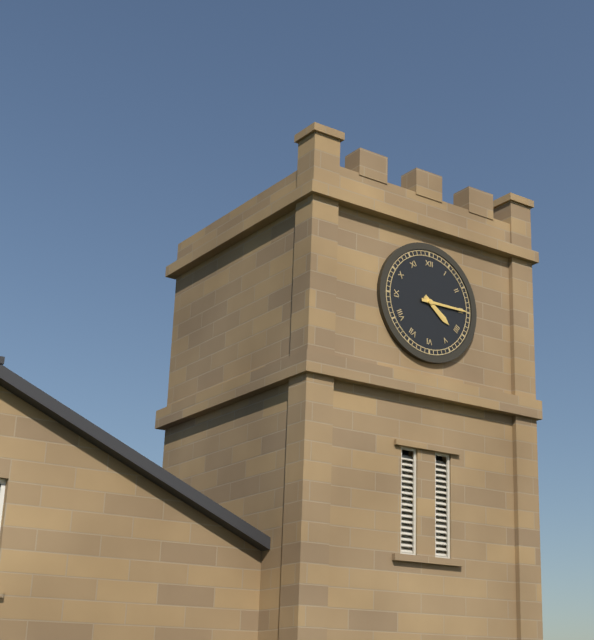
4:15
